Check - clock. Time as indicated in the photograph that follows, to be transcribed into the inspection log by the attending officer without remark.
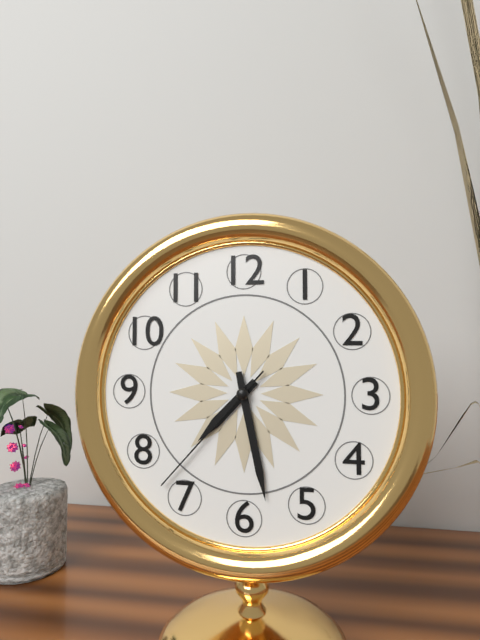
7:28:37
